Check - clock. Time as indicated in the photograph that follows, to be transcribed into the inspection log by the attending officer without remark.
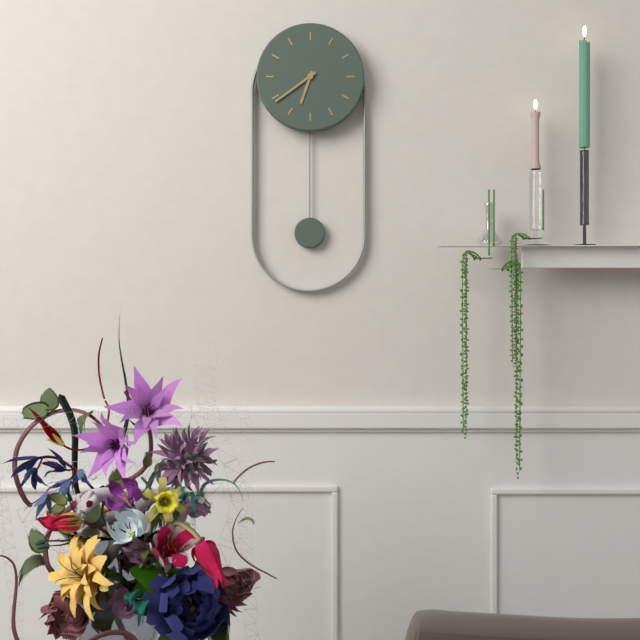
6:39
